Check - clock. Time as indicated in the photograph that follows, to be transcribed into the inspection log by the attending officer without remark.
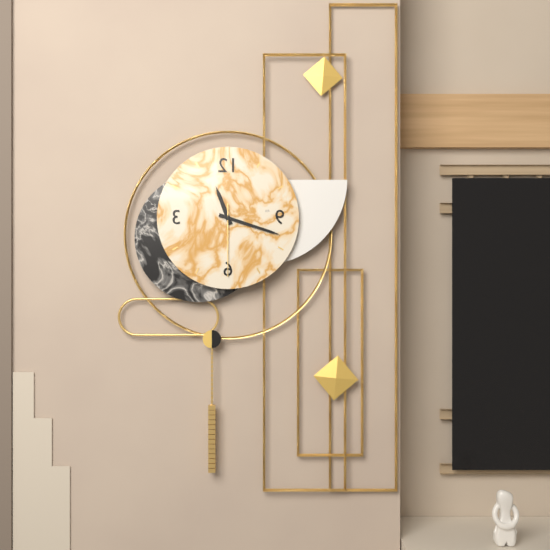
11:18:30
